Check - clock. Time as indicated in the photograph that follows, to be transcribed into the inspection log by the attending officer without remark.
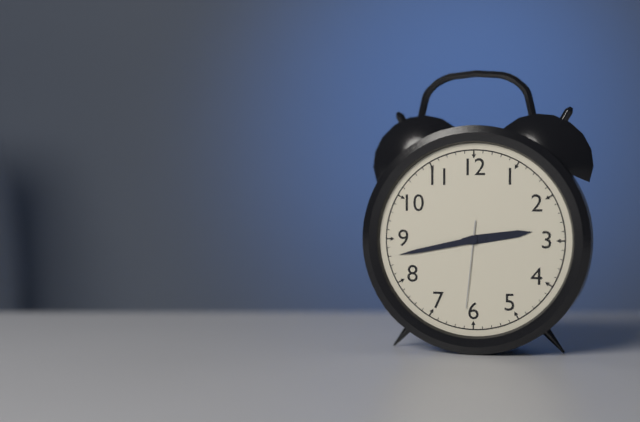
2:43:31
